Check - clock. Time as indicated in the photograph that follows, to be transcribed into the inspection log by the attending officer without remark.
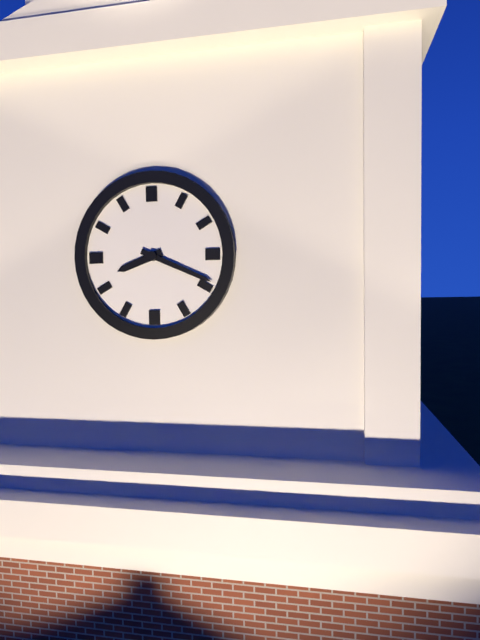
8:19
